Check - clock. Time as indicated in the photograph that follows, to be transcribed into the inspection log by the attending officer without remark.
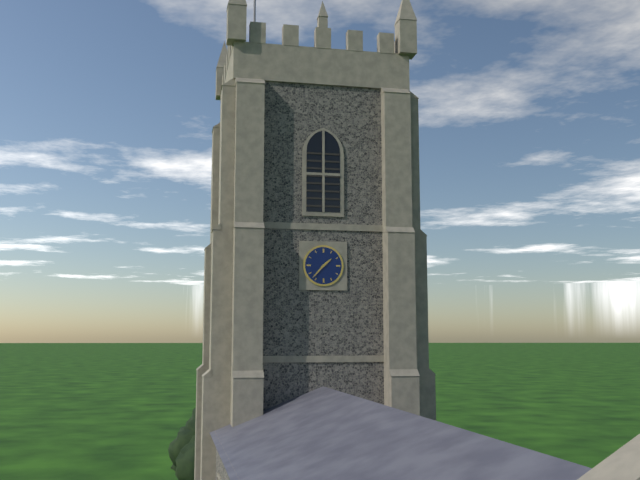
1:37
